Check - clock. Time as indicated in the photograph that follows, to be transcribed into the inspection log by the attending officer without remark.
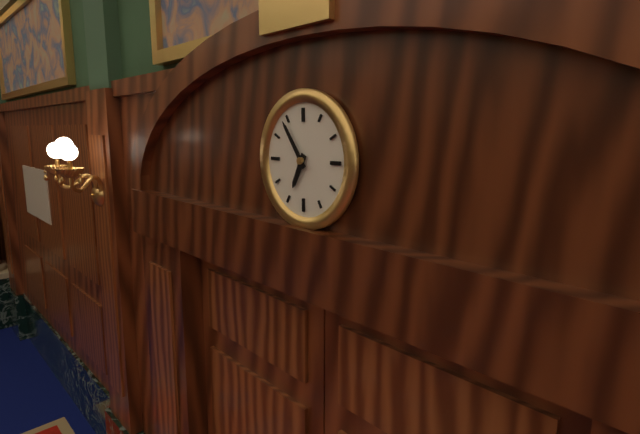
6:54
